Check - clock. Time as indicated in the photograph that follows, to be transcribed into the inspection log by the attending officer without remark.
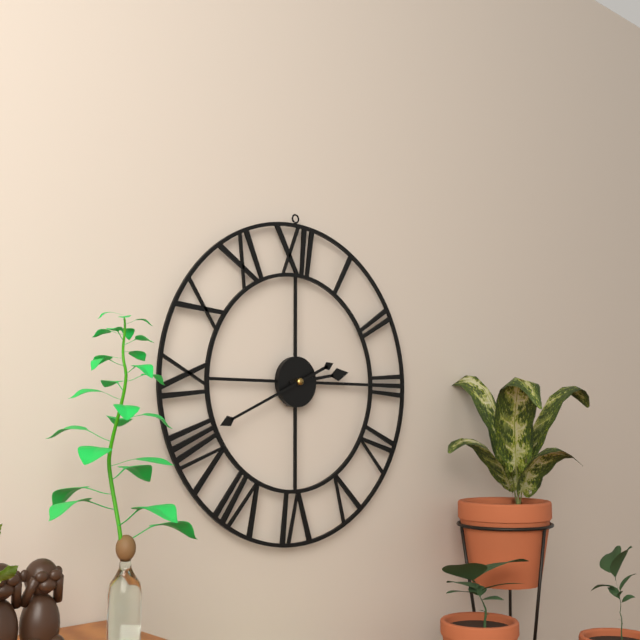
2:41
